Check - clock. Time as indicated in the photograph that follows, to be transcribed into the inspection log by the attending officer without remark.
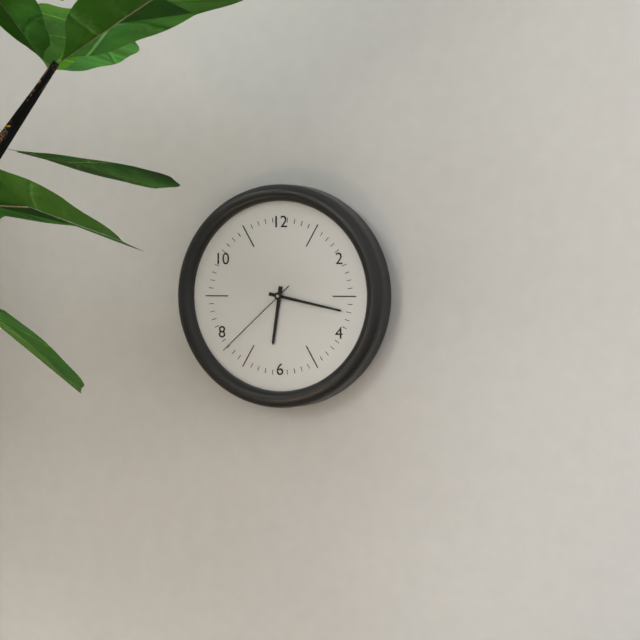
6:17:38
